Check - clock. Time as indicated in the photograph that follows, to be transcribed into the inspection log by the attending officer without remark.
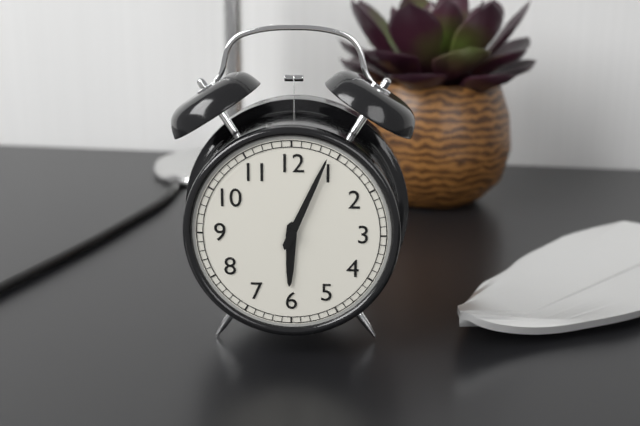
6:04
